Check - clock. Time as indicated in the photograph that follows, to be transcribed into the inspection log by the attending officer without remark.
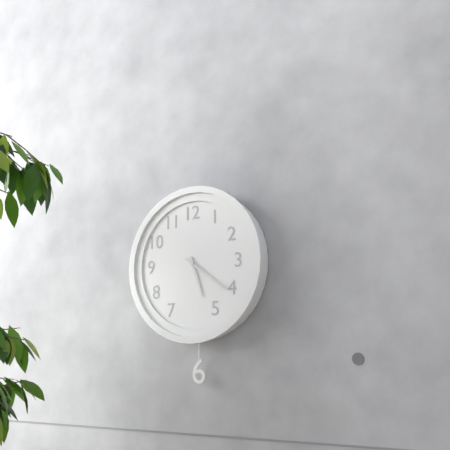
5:21
